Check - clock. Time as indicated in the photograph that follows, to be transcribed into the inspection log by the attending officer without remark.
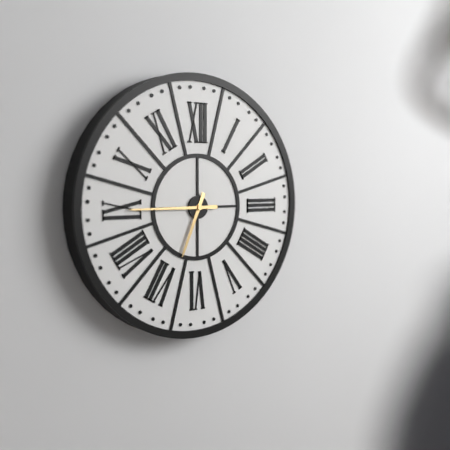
6:45
